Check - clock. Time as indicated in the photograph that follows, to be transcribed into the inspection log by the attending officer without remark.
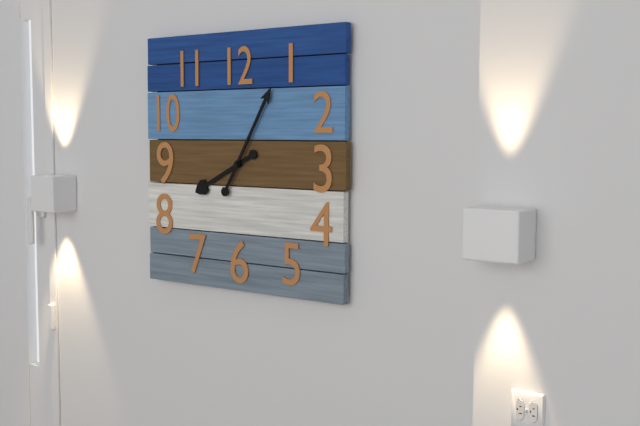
8:05
